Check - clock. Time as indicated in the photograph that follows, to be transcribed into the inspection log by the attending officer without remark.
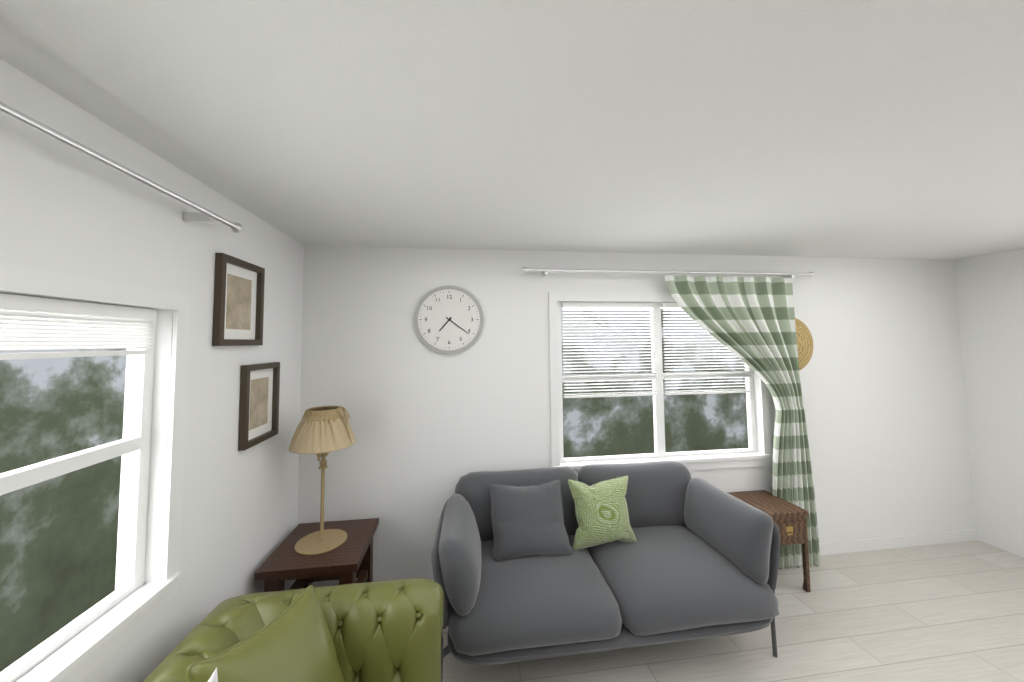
7:21
